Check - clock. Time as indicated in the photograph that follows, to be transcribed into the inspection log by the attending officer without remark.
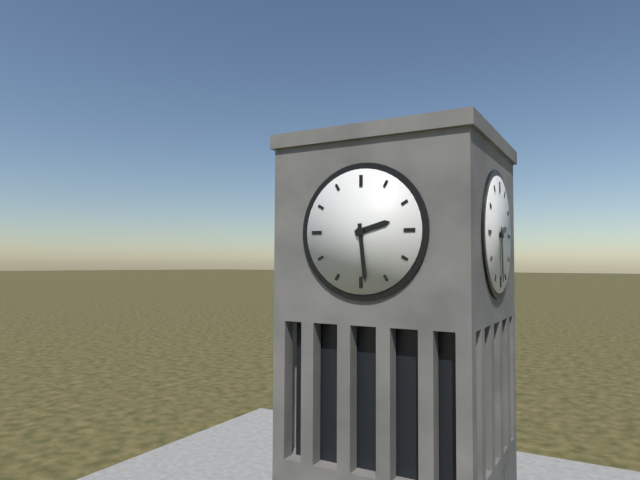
2:29
